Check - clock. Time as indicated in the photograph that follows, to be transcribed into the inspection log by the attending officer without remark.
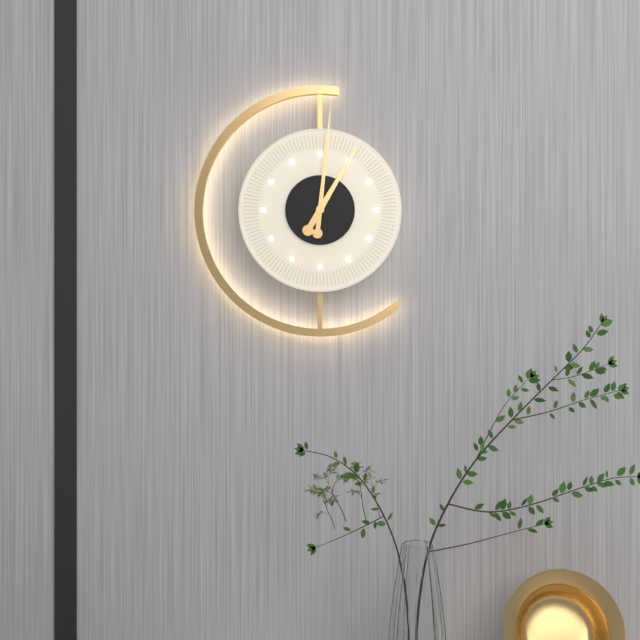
1:01
